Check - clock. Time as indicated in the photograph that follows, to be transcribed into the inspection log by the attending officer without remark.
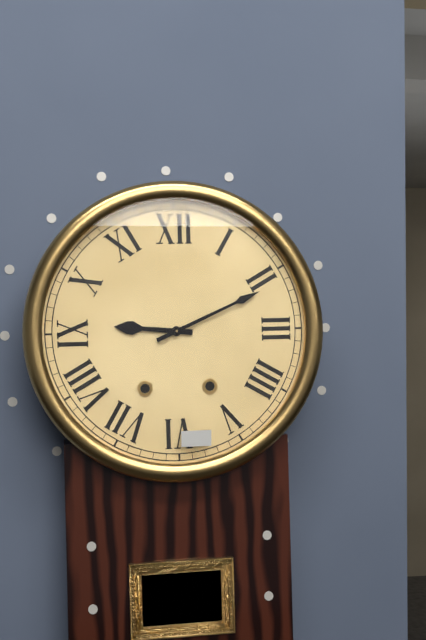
9:11
